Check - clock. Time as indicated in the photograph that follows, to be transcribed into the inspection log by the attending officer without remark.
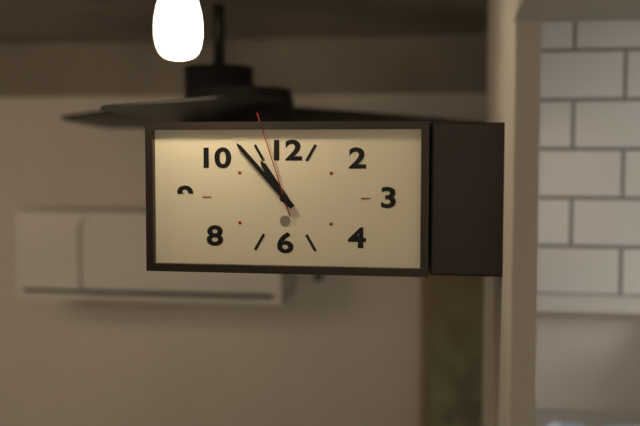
10:53:57
